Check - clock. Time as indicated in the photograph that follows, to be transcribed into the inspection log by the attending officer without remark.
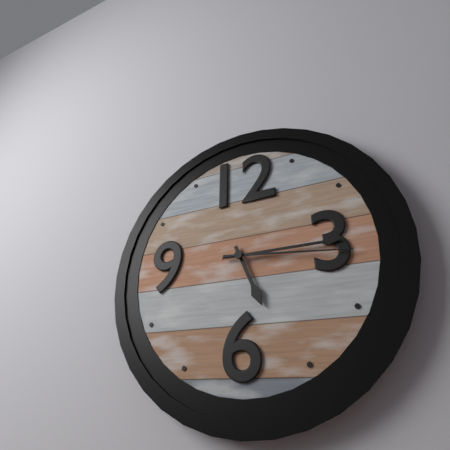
5:15:16
